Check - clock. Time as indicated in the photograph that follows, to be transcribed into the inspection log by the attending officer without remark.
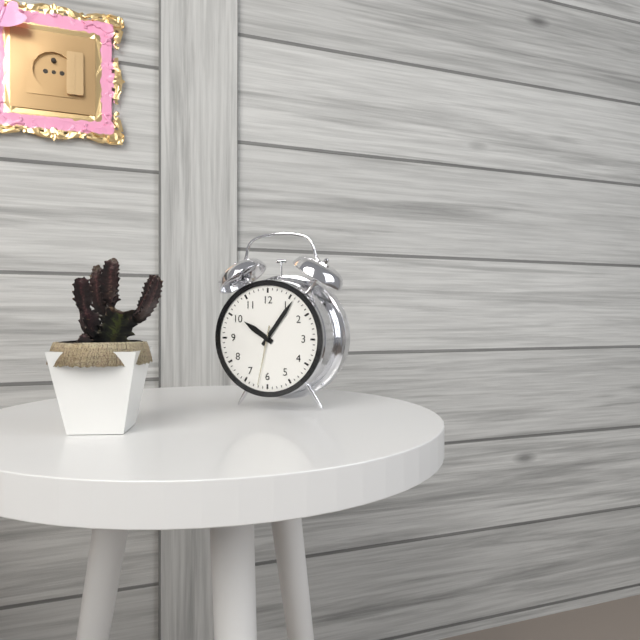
10:06:32
